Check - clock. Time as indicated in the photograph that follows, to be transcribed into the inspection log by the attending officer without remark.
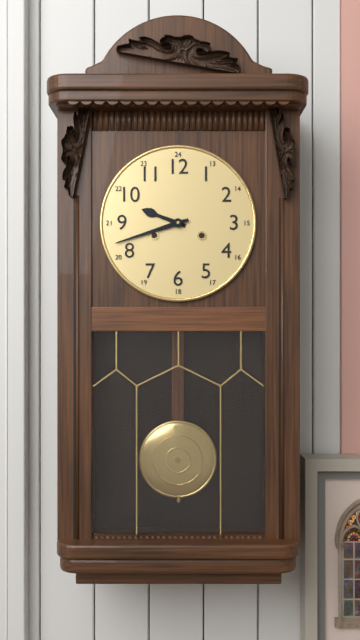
9:42
